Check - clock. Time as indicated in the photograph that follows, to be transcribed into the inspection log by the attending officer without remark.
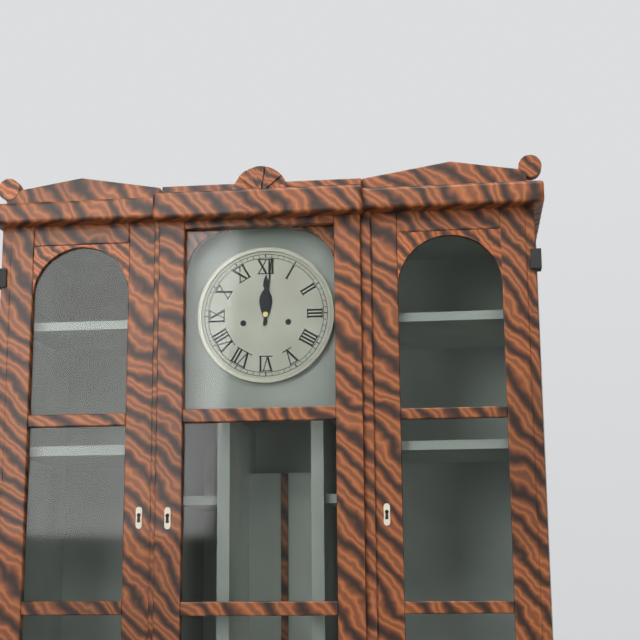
12:01
